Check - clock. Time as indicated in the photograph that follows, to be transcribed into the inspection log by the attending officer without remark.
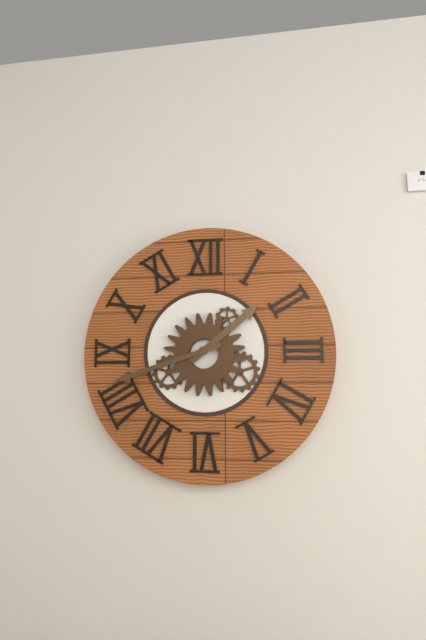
1:42
